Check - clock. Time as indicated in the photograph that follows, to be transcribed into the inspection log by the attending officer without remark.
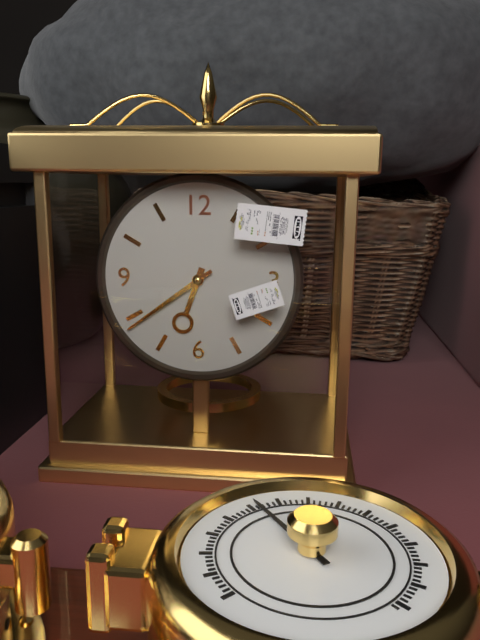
6:39
